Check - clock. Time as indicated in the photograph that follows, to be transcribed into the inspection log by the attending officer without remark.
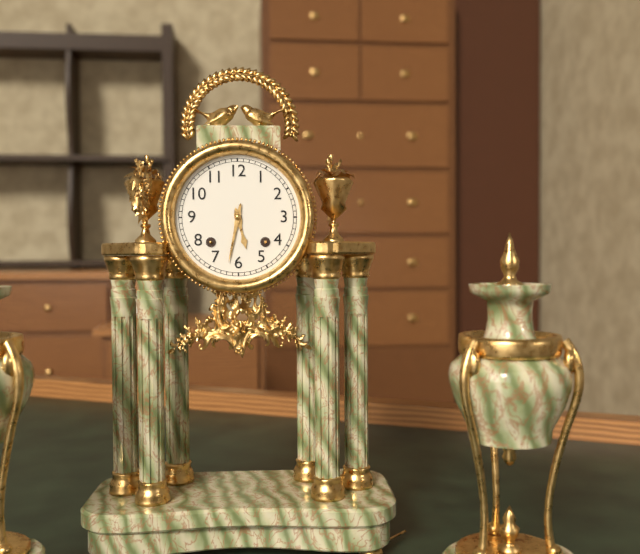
5:32
